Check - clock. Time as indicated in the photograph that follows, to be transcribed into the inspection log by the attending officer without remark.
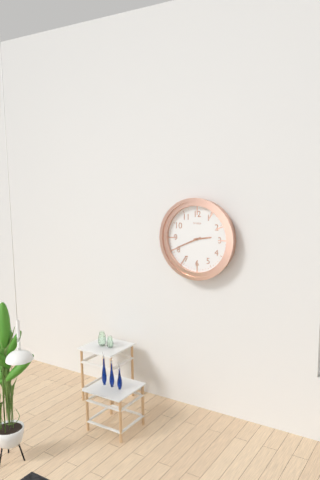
2:41
